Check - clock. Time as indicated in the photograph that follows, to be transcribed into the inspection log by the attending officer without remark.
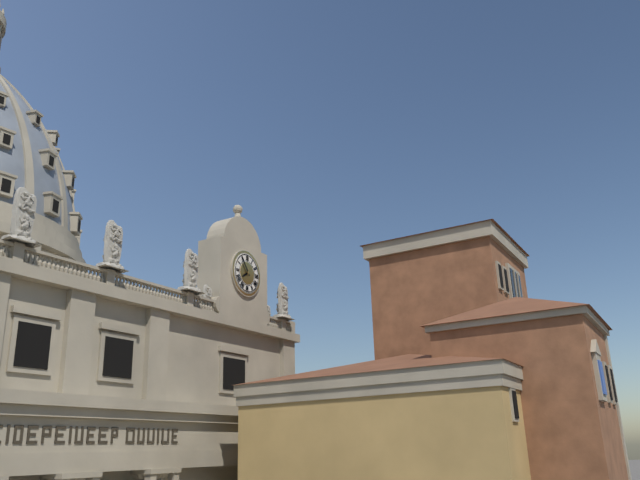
7:54
